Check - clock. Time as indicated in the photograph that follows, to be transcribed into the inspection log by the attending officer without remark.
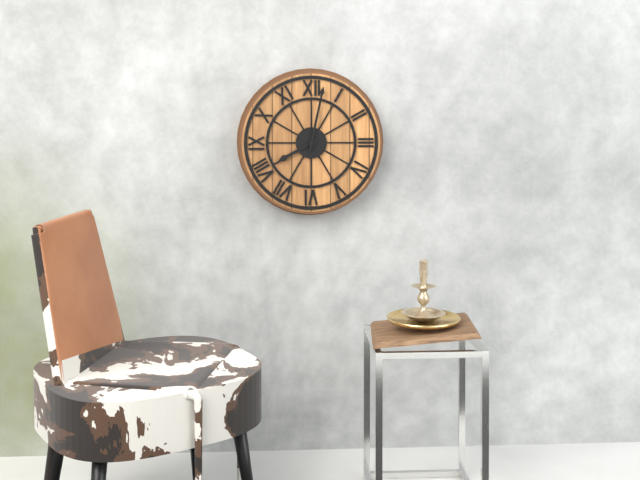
8:02
